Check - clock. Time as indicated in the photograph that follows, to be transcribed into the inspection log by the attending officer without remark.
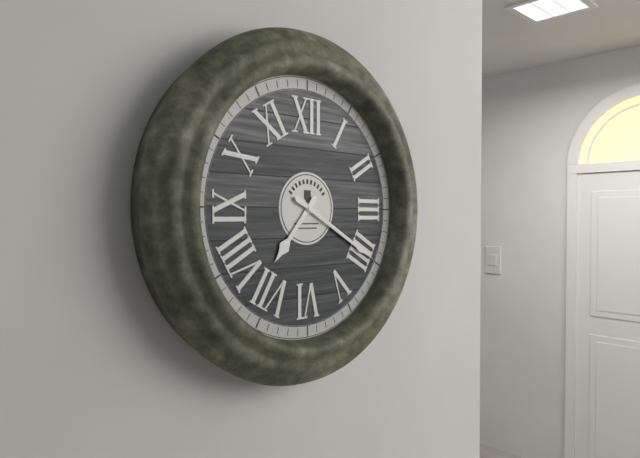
7:20
